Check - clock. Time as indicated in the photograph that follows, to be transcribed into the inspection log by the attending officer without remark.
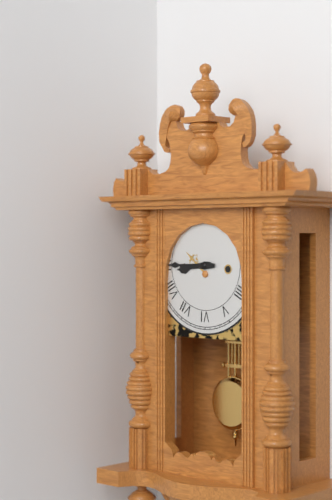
8:45
